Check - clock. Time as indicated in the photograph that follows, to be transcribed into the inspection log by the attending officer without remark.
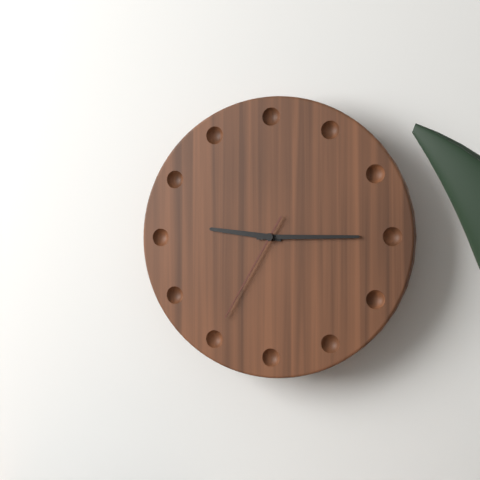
9:15:35
